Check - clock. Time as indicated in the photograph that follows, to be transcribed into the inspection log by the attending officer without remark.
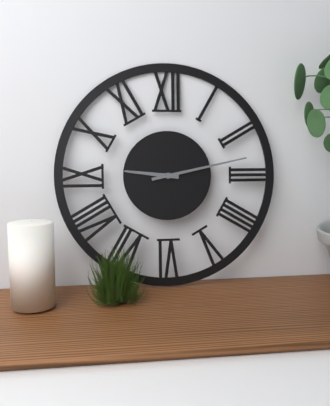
9:13
